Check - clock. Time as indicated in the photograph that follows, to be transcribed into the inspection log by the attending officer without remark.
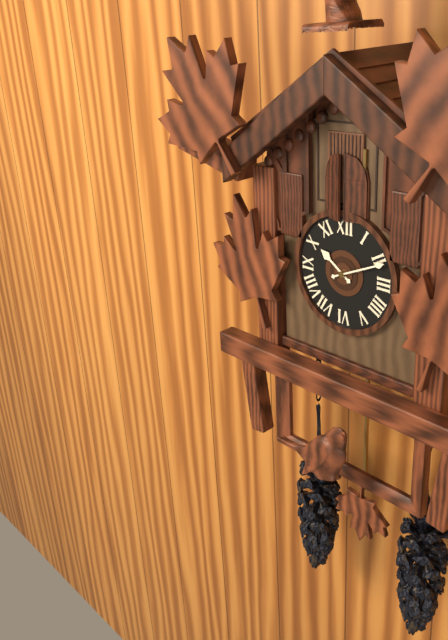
10:11
